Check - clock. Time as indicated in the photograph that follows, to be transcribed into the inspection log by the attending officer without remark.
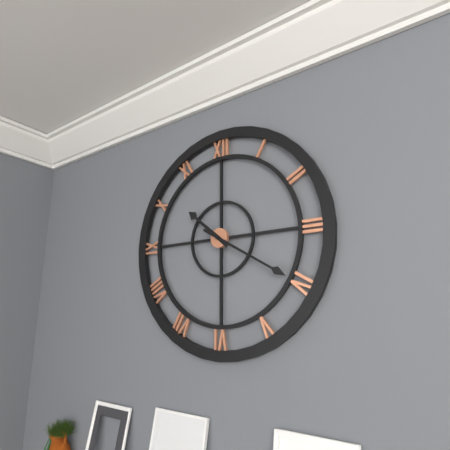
10:20
